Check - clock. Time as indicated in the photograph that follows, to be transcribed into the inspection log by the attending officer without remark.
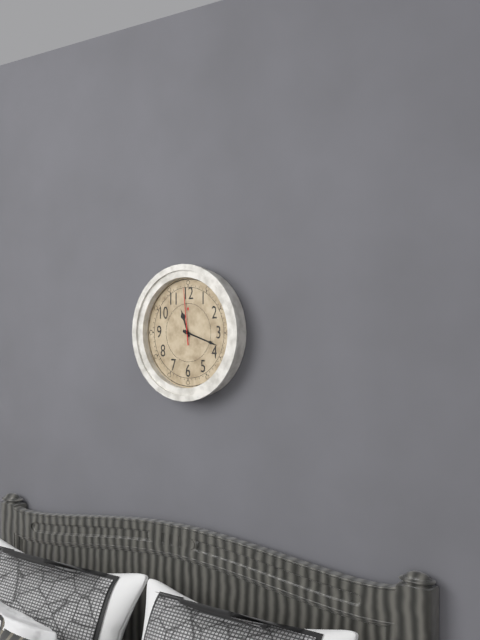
11:18:59
